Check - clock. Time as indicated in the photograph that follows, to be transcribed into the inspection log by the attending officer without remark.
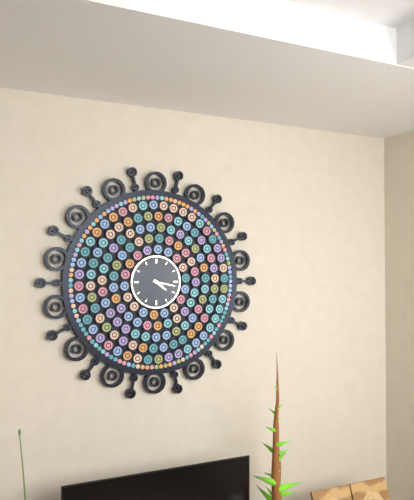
4:17
